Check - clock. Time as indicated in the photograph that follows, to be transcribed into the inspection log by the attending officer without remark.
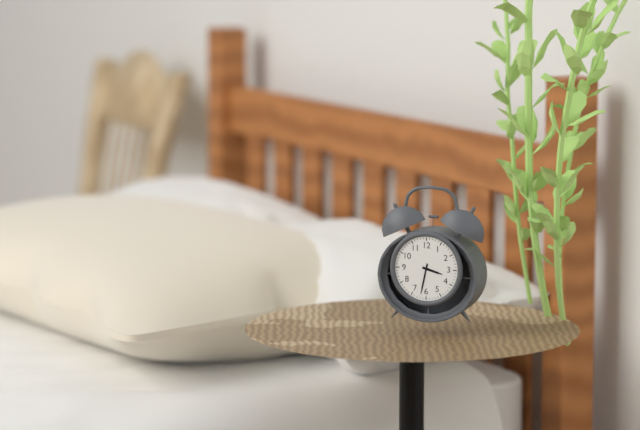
3:32
